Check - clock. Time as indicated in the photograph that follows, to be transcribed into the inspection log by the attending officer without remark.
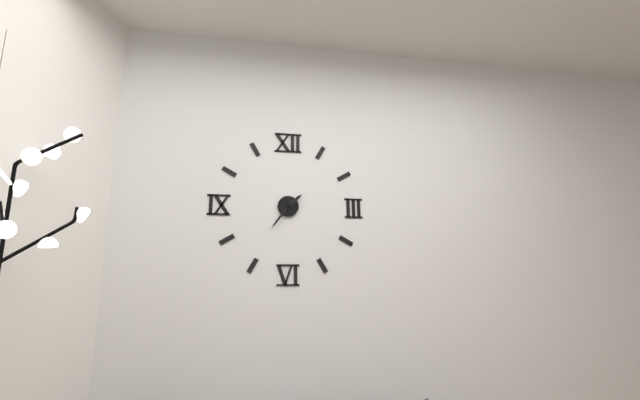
1:36
